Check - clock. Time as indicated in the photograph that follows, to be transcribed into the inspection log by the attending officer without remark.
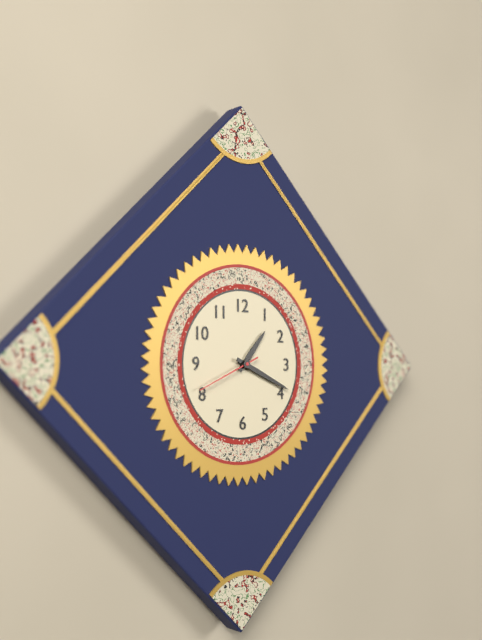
1:19:41
